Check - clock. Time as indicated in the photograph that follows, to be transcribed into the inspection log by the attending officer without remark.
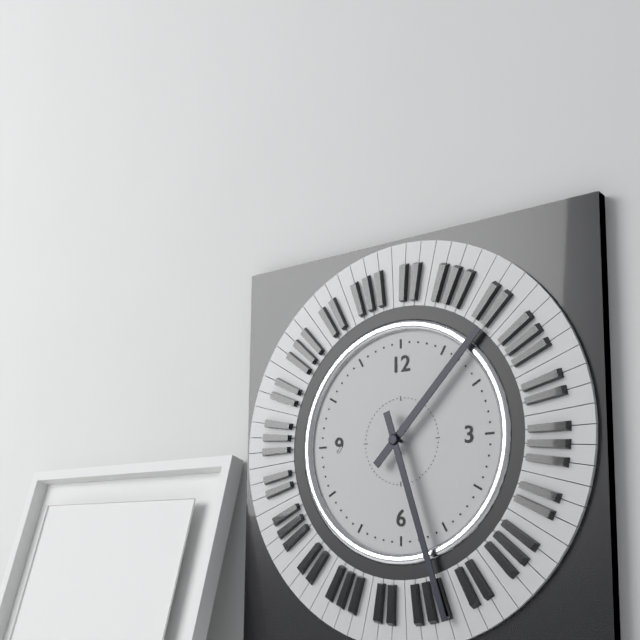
1:27
